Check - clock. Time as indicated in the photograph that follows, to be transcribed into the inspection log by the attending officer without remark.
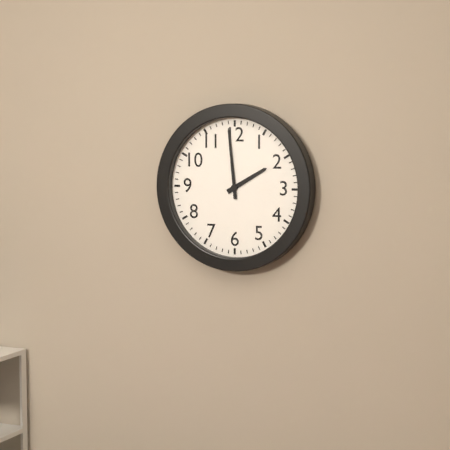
1:59
